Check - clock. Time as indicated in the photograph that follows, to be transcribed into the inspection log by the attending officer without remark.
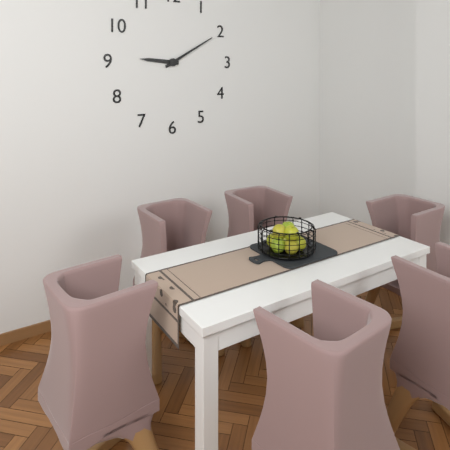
9:10
